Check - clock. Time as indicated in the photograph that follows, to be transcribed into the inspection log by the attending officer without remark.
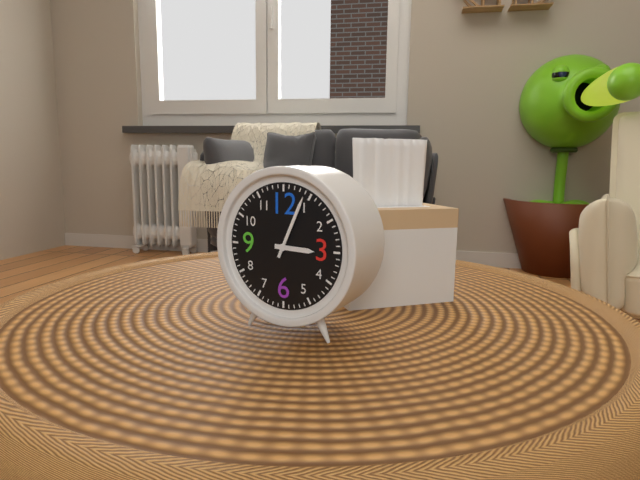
3:04
